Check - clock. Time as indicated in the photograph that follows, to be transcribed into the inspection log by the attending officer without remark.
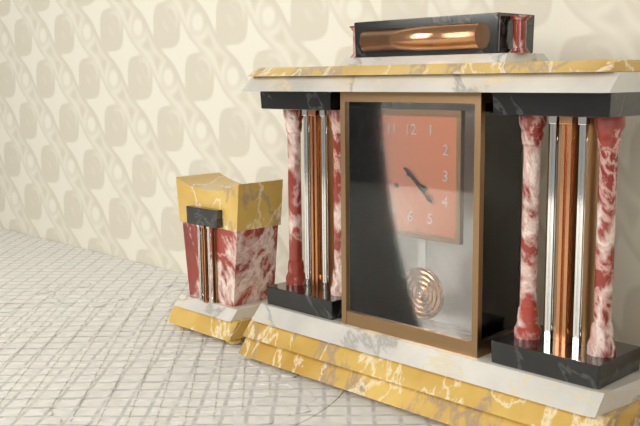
4:22
